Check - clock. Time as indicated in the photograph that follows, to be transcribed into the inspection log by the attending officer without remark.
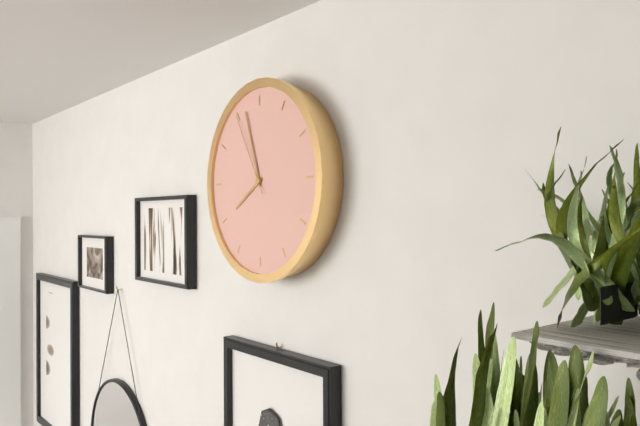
7:57:55
